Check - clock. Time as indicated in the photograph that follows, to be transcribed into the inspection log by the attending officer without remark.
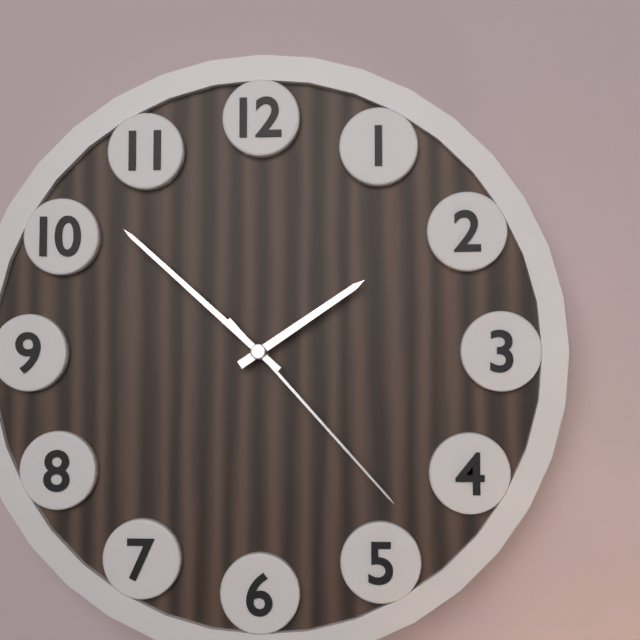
1:52:23
